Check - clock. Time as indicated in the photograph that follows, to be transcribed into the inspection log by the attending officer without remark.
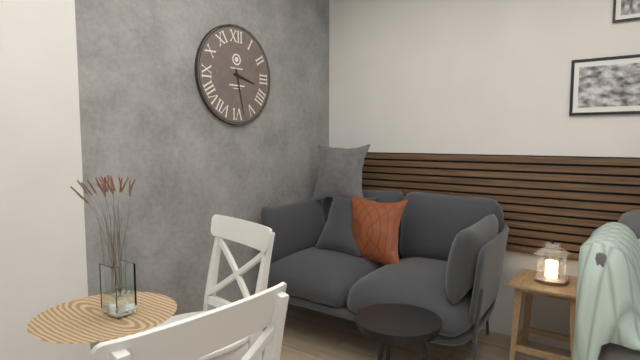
3:28
